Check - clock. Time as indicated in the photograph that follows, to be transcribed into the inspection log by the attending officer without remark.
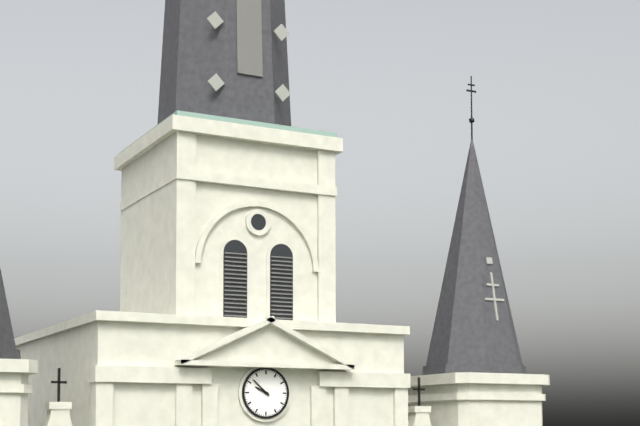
9:52
